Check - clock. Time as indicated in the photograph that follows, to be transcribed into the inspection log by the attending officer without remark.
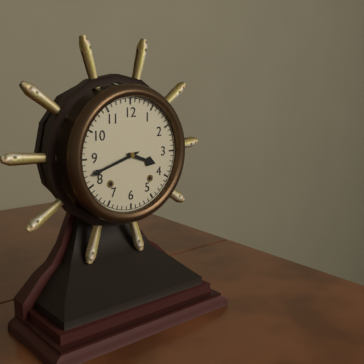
3:42
